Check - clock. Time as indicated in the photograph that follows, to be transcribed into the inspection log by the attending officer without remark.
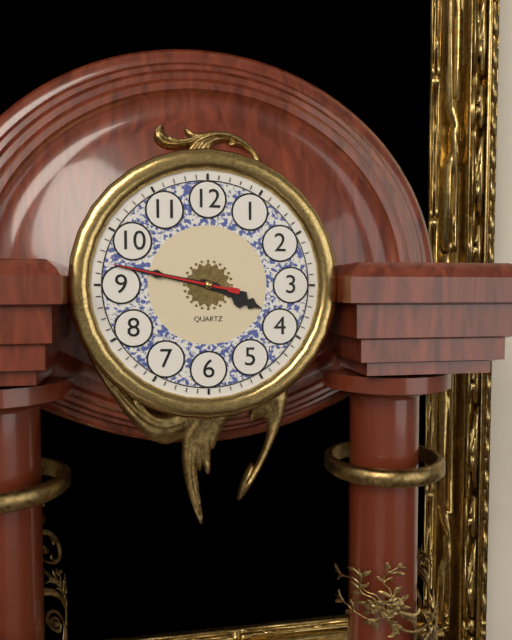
3:47:47
